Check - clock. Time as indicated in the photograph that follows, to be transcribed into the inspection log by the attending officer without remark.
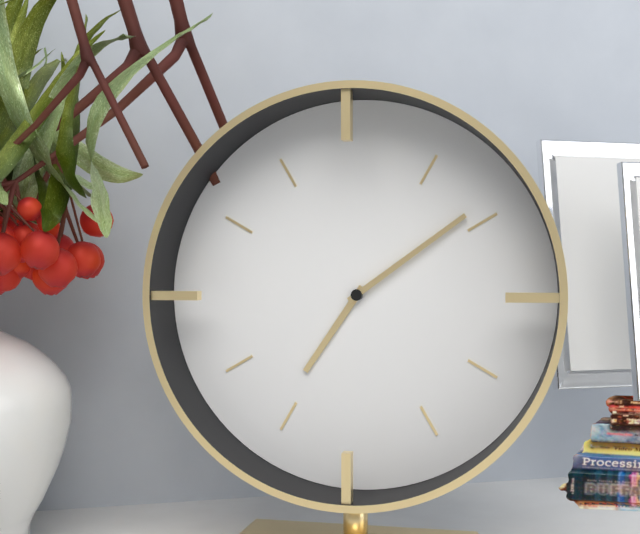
7:09
